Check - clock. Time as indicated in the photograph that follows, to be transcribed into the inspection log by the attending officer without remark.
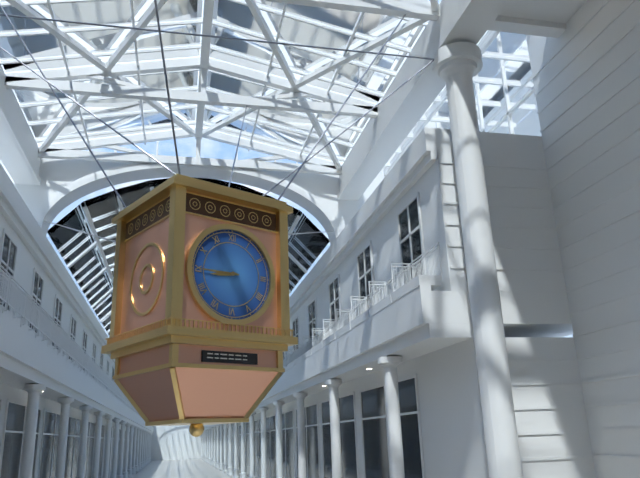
8:45
